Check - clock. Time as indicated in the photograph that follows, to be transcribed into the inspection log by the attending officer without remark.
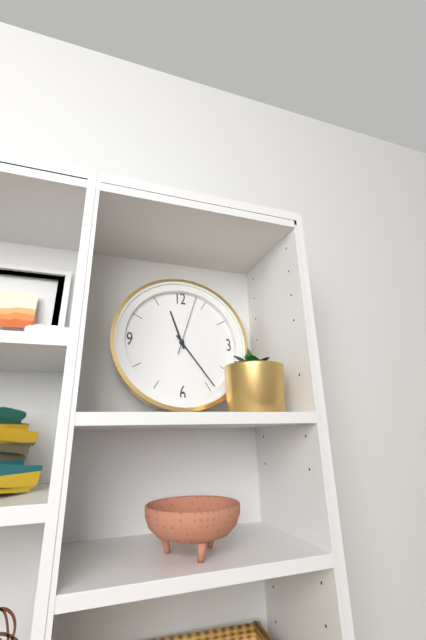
11:24:03
